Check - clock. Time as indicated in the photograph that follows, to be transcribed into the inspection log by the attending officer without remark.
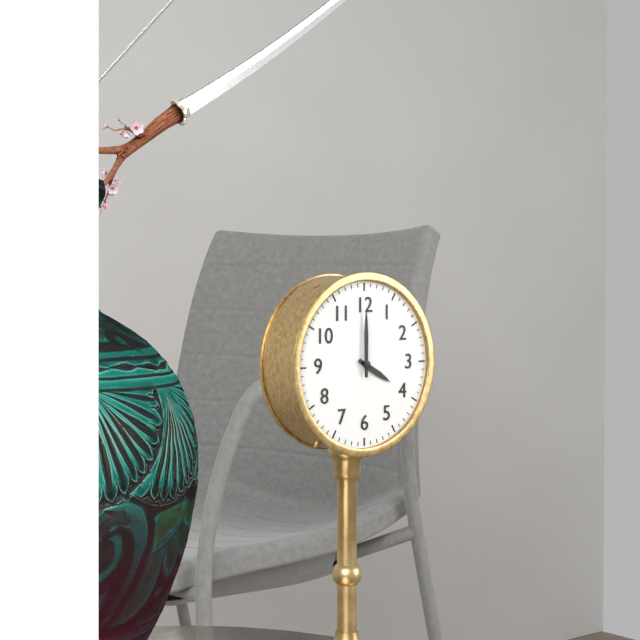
4:00
